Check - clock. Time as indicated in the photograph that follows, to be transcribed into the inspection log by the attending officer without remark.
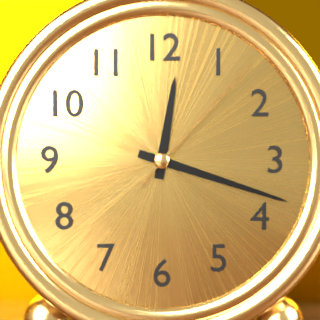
12:18:07
